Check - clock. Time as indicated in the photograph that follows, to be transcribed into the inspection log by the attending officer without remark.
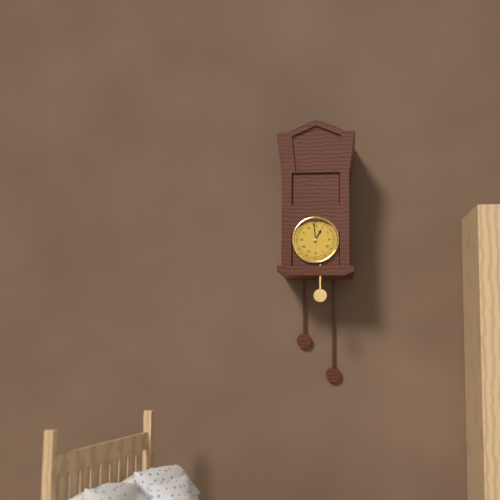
12:59
